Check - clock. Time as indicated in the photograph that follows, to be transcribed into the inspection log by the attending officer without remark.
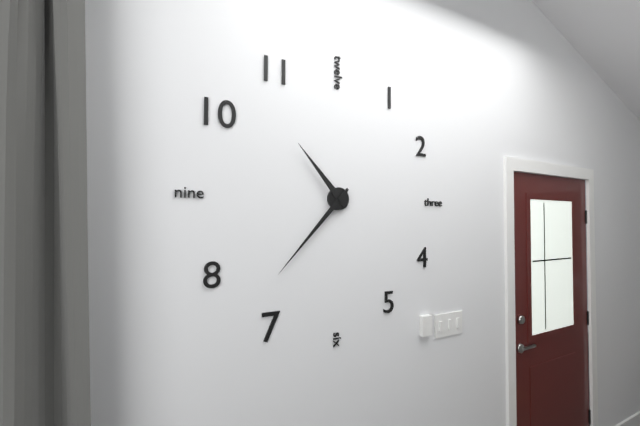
10:37
